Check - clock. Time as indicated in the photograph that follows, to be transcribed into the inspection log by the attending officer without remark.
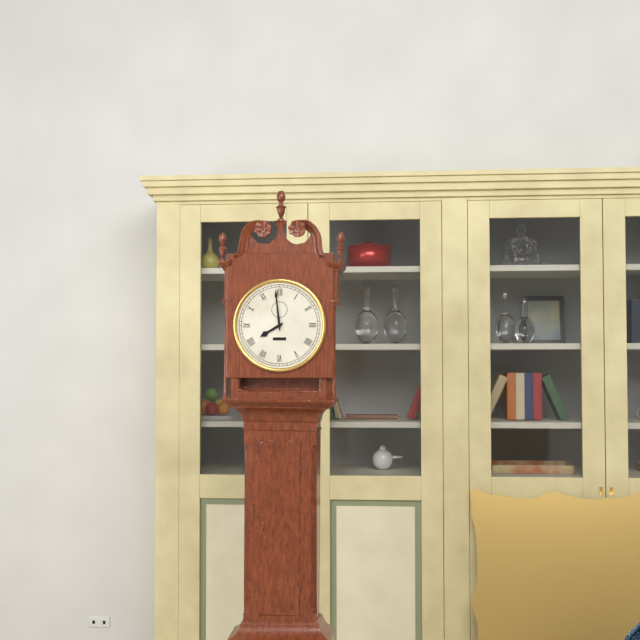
7:59
